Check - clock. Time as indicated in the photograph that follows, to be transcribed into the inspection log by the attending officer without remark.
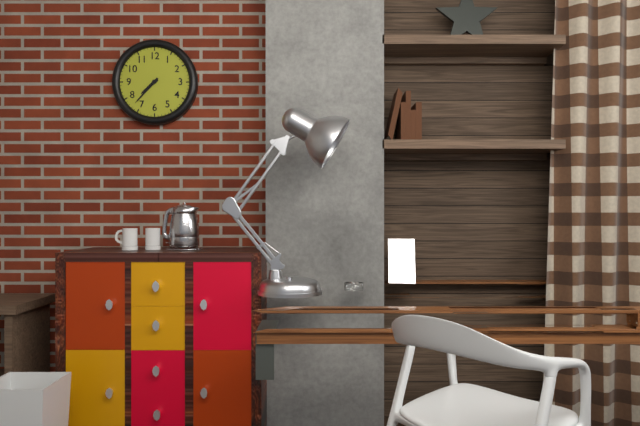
7:37
